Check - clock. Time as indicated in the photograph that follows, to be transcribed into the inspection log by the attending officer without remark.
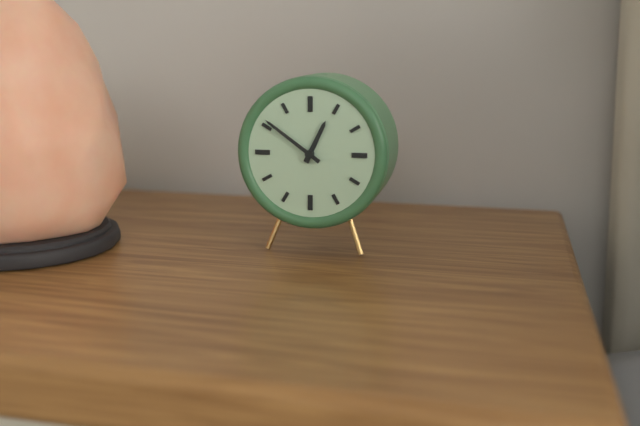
12:51
